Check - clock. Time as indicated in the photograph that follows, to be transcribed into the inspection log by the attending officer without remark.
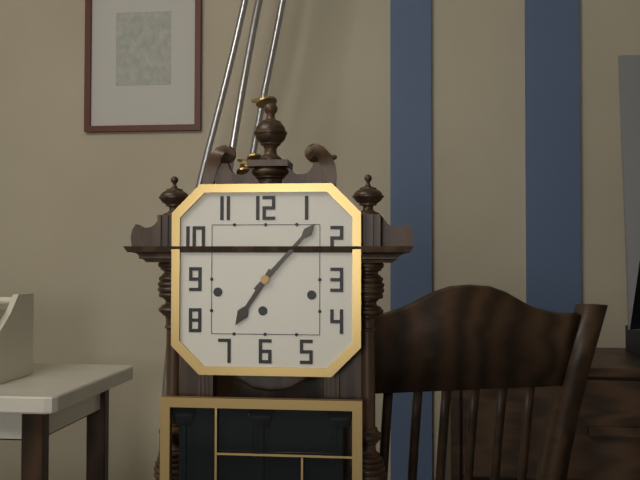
7:07
